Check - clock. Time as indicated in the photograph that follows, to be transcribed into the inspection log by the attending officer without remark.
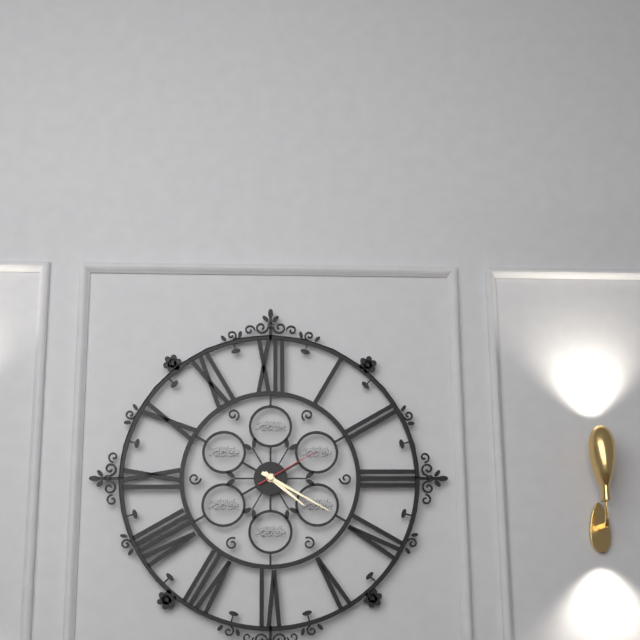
4:20:10
